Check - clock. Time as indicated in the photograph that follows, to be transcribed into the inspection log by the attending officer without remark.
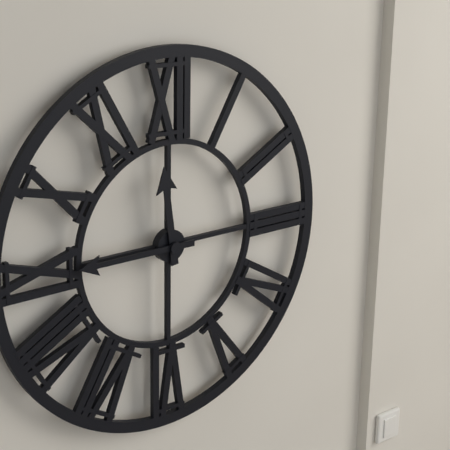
11:45
